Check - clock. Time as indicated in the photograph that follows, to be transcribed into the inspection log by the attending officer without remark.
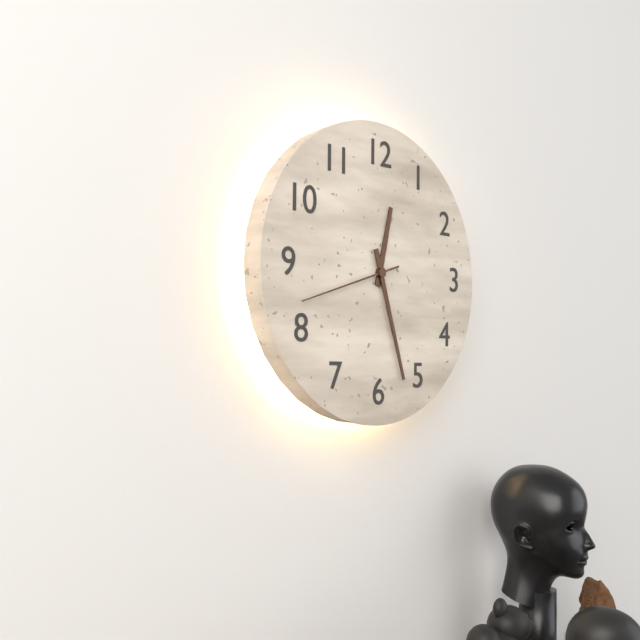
12:27:42
